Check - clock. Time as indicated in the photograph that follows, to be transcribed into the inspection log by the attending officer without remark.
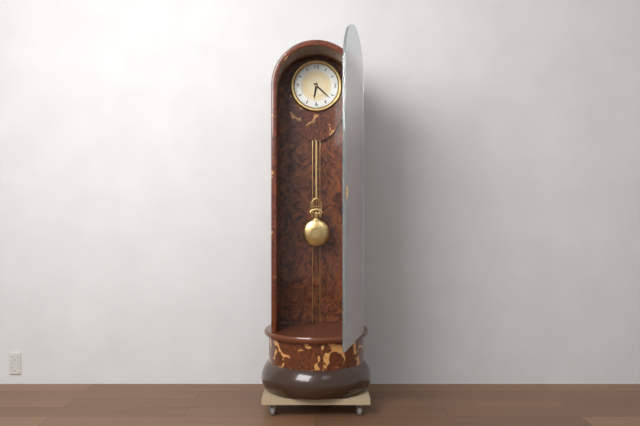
6:22
